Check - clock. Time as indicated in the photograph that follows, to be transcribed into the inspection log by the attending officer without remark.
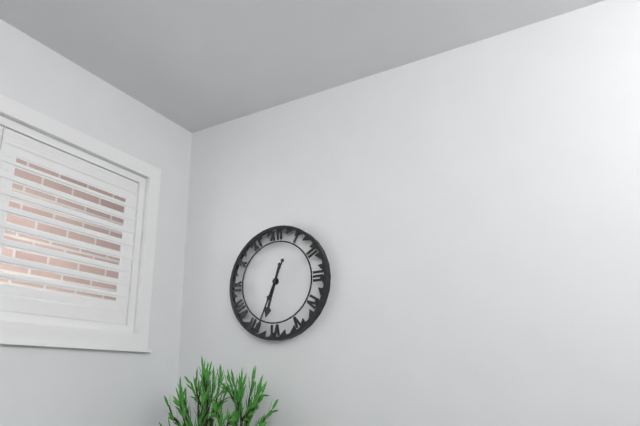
6:34
